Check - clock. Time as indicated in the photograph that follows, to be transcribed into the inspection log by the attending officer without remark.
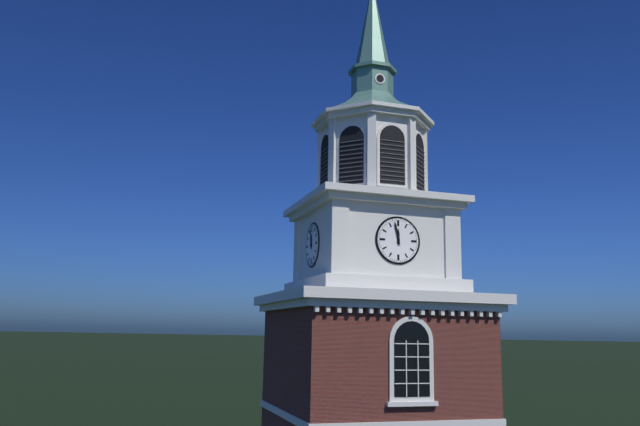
11:58
